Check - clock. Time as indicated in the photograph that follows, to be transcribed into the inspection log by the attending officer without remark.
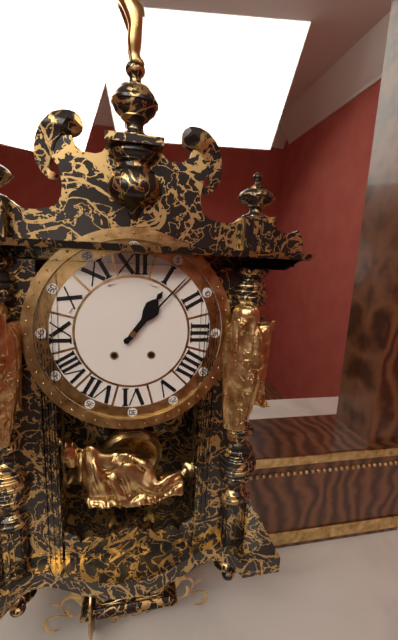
1:07
